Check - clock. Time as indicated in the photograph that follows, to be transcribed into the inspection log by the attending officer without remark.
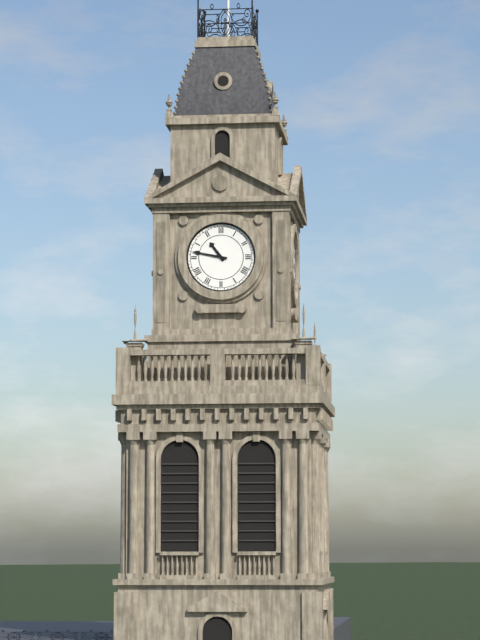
10:47
